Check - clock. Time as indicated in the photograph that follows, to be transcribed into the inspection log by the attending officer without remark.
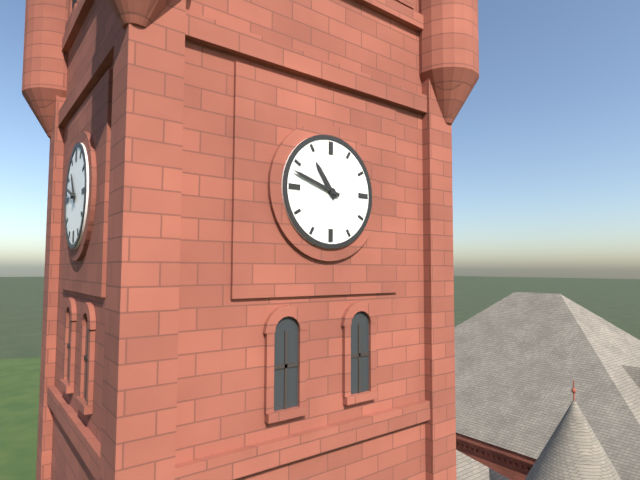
10:48
